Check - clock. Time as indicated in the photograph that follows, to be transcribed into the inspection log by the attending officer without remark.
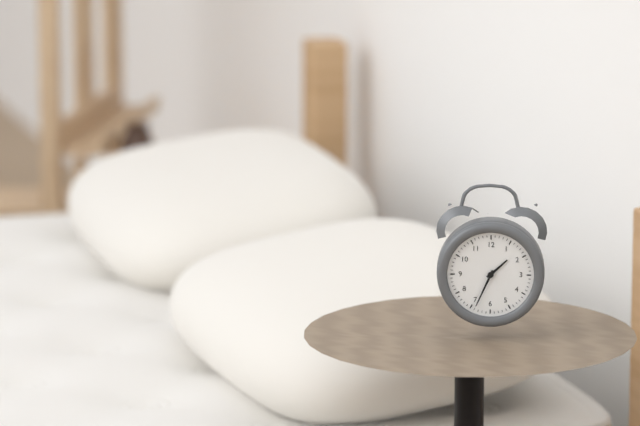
1:34
